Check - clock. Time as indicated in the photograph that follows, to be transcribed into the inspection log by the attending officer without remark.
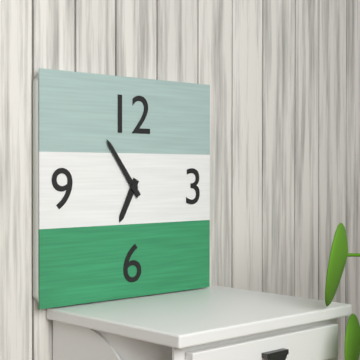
6:54
